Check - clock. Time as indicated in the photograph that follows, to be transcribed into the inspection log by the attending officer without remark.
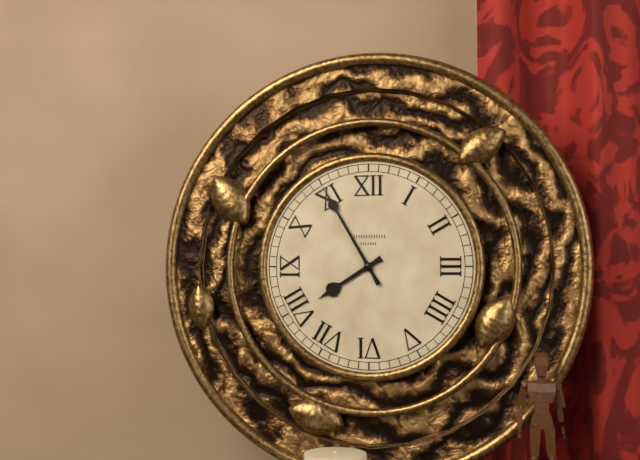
7:55
